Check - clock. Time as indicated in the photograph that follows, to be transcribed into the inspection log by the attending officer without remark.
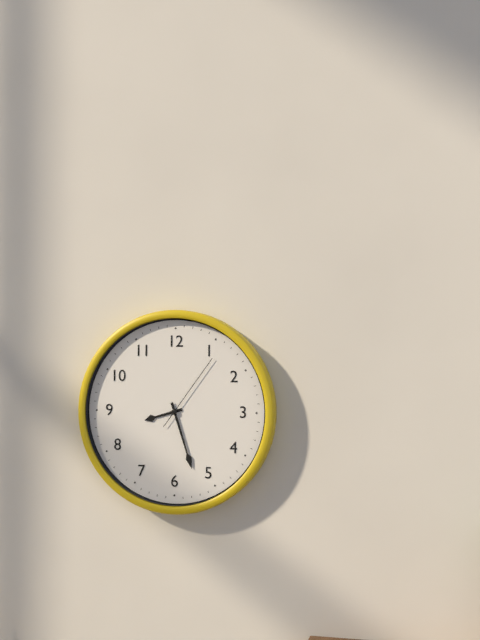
8:27:06
